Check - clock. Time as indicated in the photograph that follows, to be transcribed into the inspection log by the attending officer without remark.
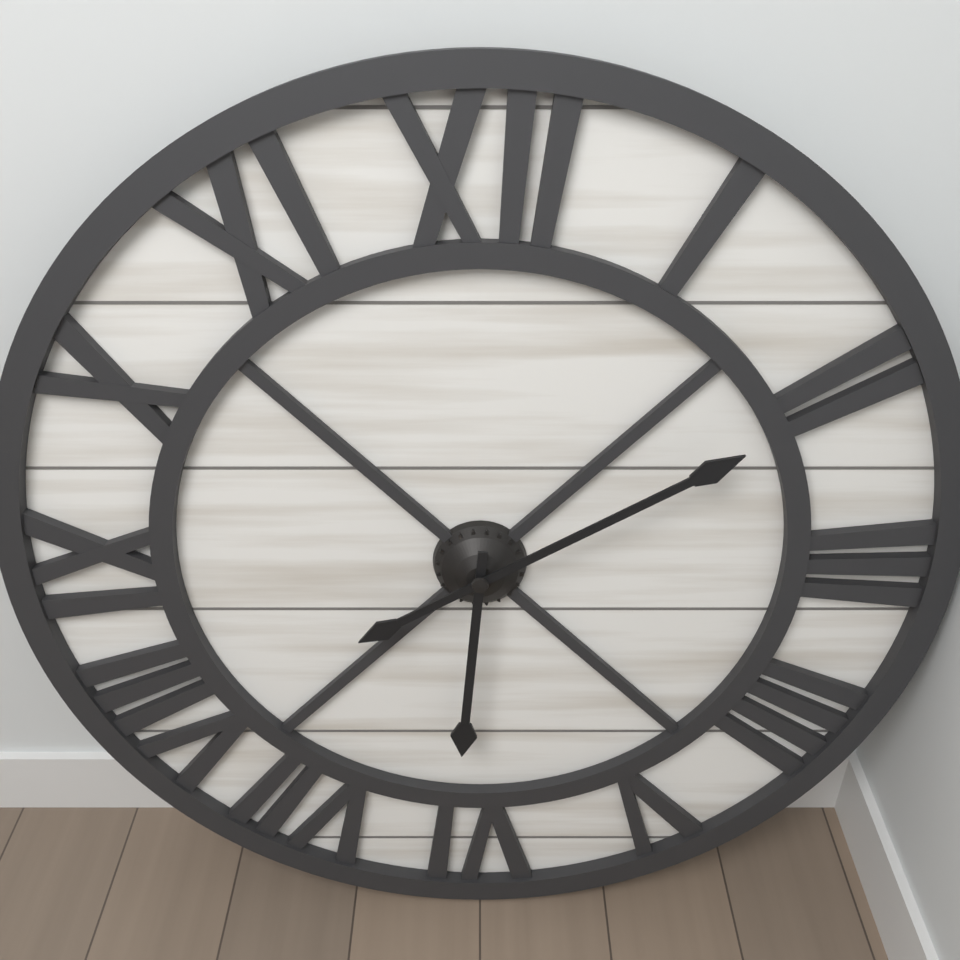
6:10
